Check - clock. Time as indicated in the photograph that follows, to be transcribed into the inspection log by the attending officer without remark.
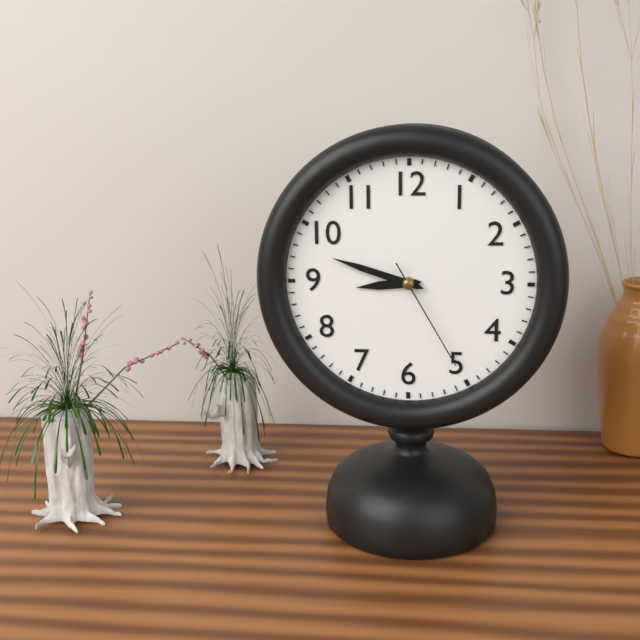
8:48:25
